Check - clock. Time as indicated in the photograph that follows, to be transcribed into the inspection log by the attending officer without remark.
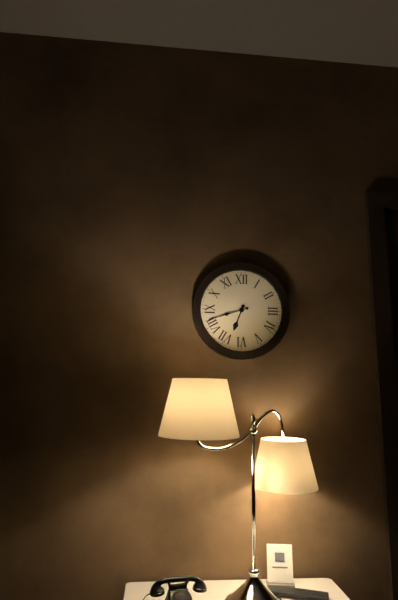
6:42
